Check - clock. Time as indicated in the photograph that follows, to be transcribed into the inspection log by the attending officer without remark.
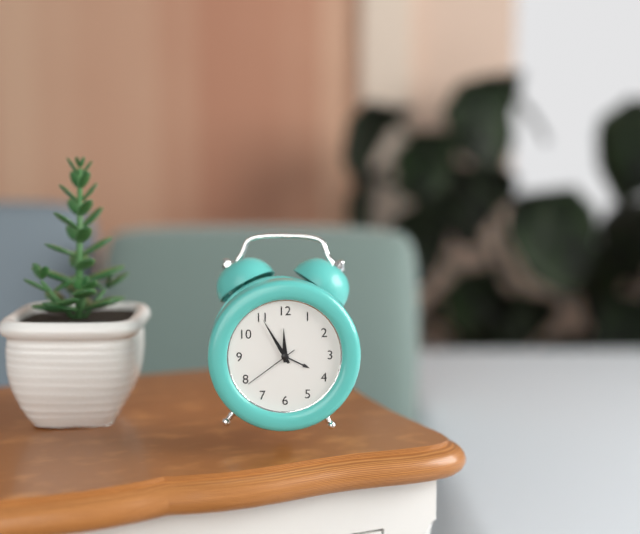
11:55:39
